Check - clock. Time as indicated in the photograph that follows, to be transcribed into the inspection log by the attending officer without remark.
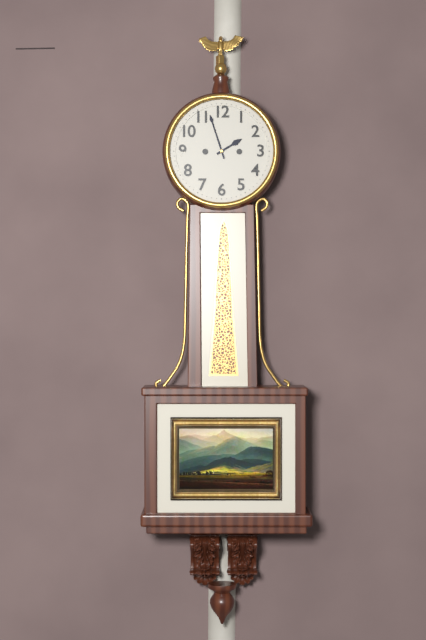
1:57
